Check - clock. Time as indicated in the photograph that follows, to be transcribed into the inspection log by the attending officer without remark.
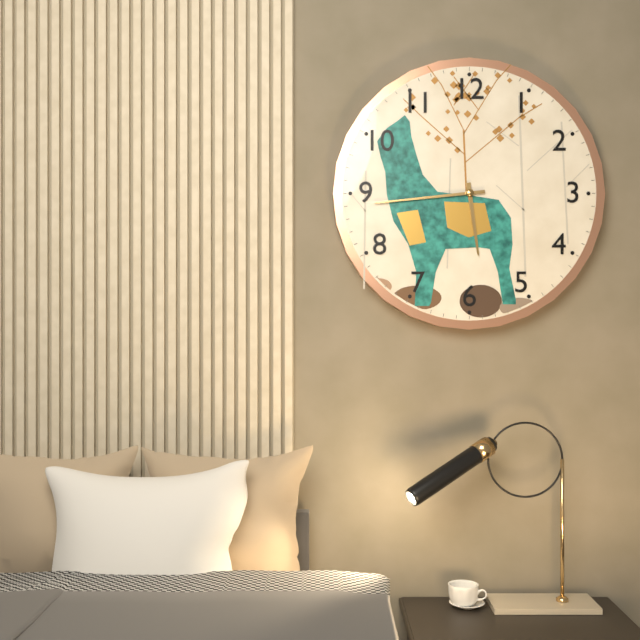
5:44
